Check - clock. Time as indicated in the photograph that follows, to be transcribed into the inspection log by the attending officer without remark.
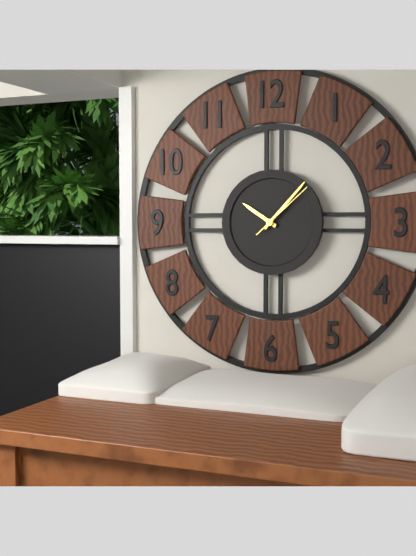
10:07:08
